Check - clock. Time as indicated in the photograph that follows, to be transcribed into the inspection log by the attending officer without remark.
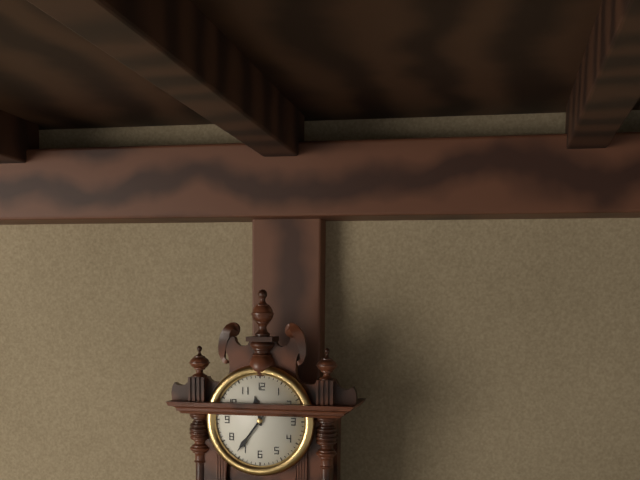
11:36
